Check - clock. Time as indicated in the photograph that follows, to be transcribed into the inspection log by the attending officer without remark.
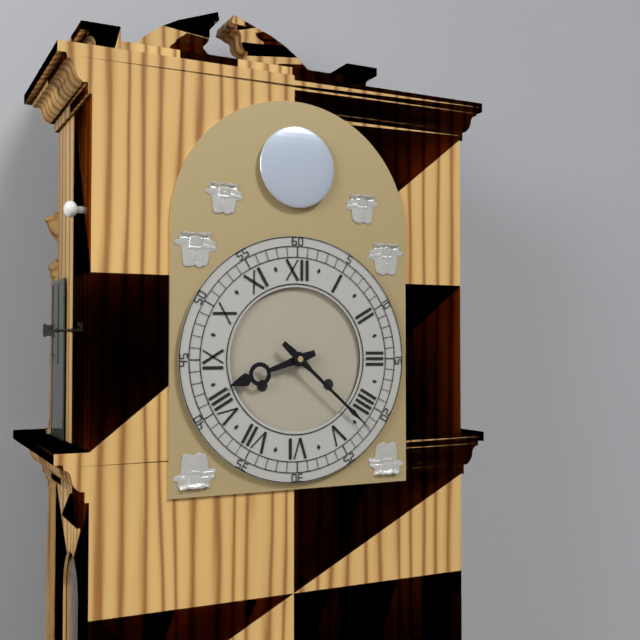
8:22
